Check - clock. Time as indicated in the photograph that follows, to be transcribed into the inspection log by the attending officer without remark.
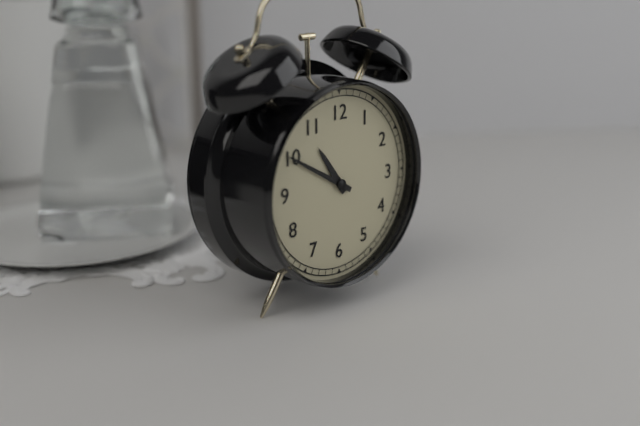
10:50
